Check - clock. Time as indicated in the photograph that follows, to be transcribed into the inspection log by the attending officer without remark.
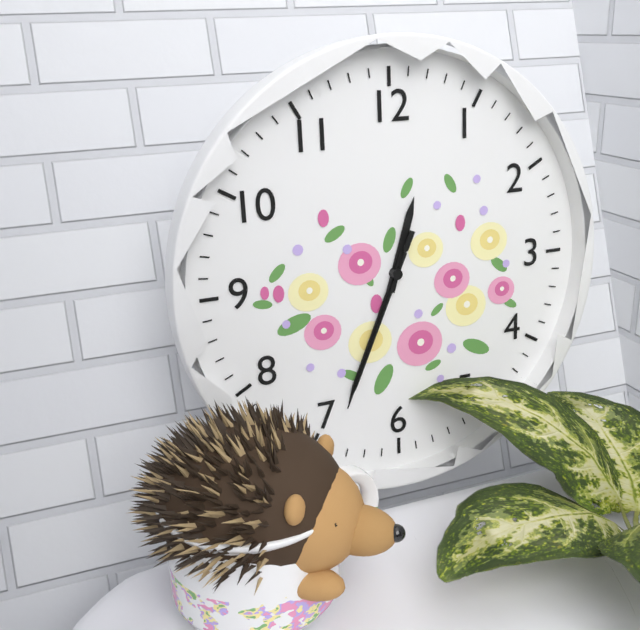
12:34:34
